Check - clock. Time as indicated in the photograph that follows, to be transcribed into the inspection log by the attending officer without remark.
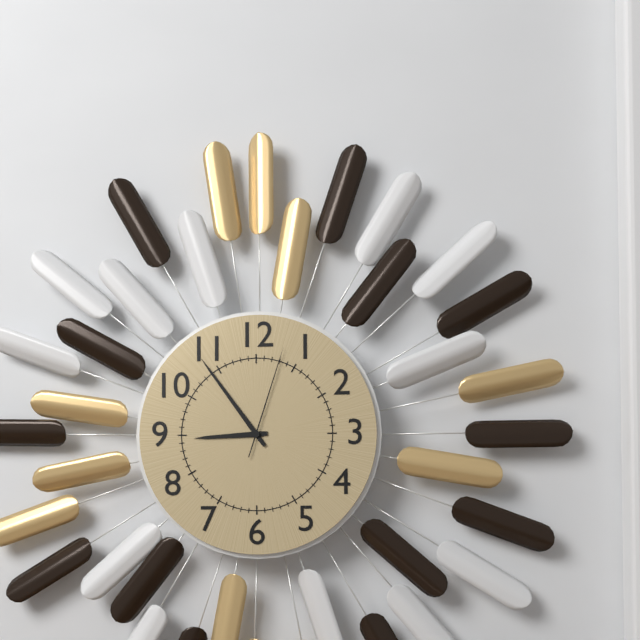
8:54:03
